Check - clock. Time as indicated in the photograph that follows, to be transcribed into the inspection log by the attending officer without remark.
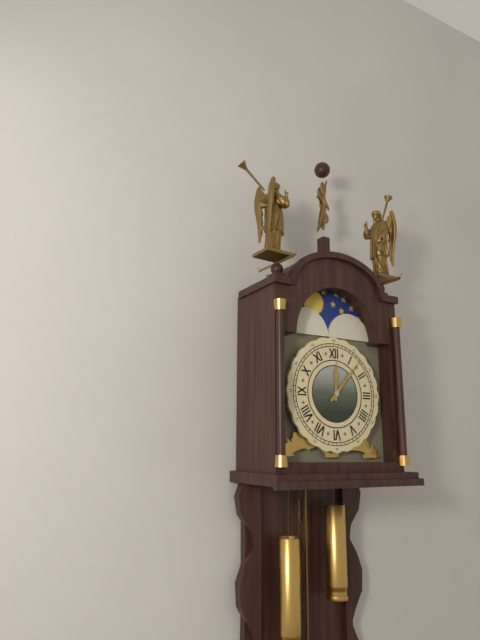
12:07
